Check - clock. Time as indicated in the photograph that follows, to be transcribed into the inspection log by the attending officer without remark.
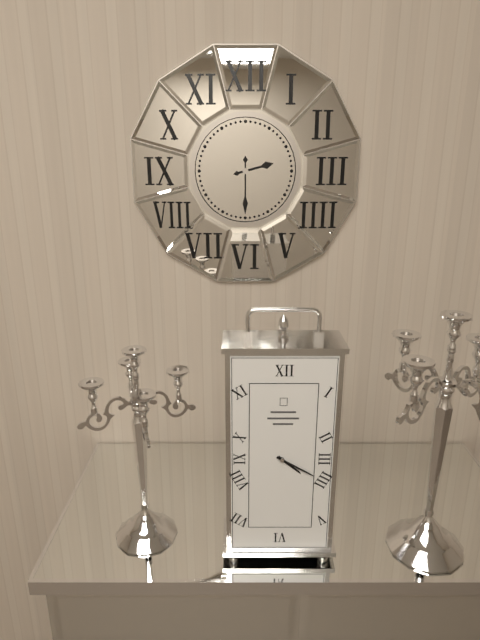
2:30
